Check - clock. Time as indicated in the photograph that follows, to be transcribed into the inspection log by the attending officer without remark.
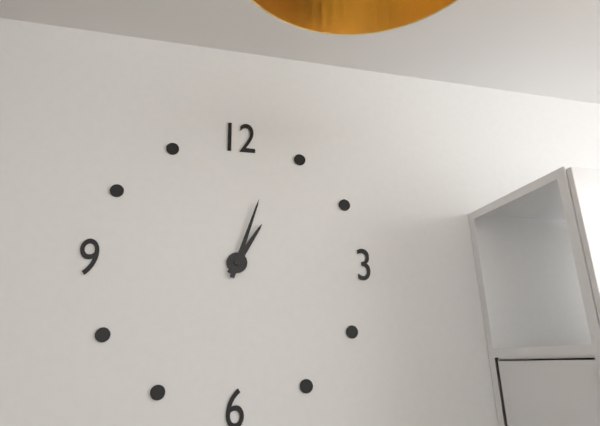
1:03
